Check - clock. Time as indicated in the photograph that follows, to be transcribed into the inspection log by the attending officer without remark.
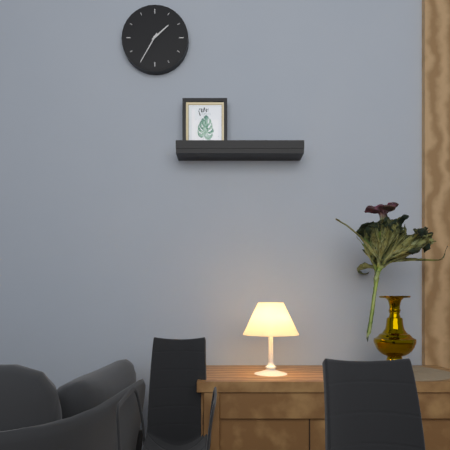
1:35
